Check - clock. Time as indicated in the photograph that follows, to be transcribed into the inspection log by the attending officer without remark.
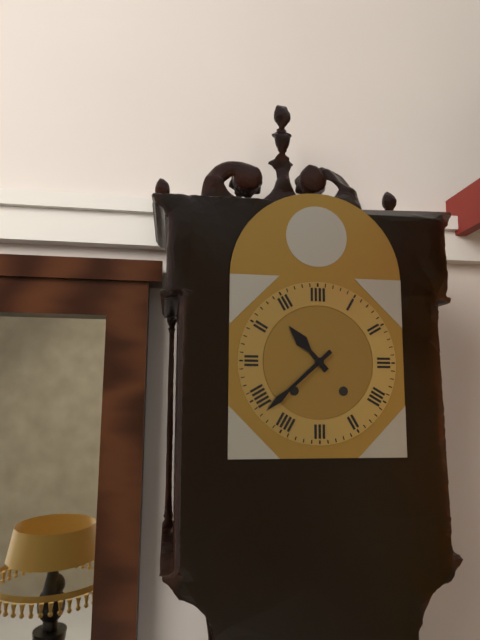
10:38
